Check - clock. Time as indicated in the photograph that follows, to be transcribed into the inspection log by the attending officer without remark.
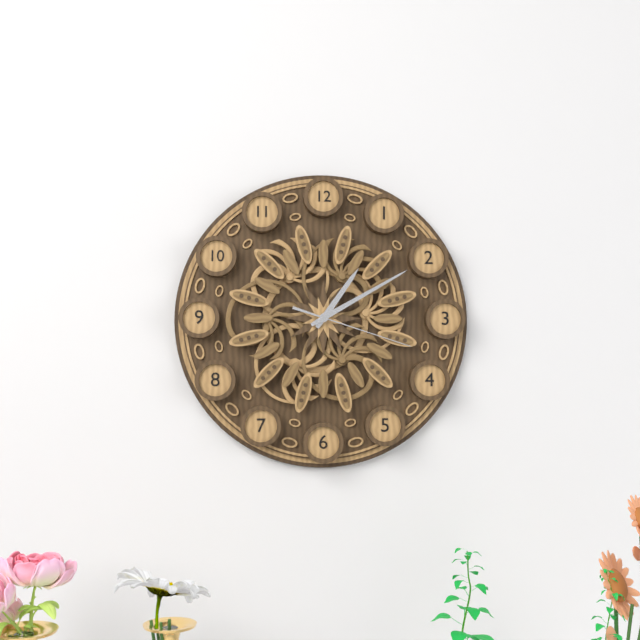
1:10:18
